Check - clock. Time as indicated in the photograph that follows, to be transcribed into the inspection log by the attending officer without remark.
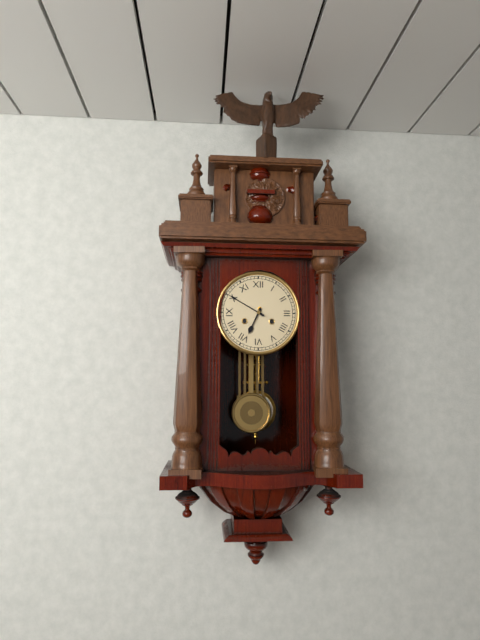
6:50
